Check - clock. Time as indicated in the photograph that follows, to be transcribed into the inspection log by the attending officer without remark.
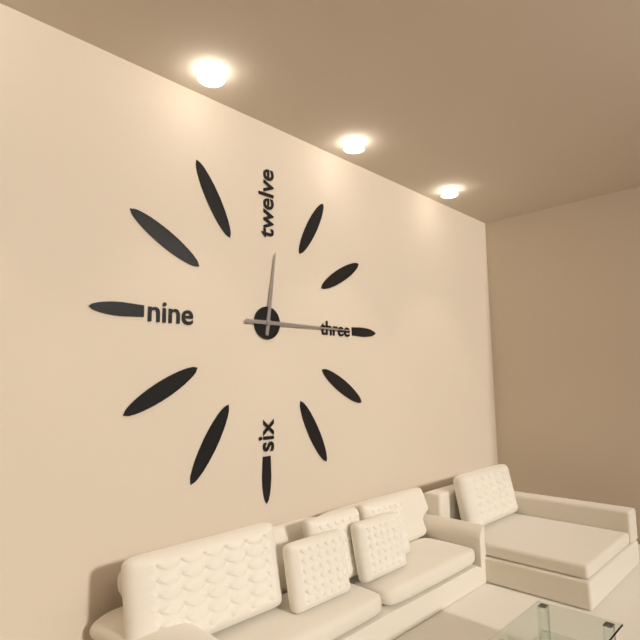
12:15
